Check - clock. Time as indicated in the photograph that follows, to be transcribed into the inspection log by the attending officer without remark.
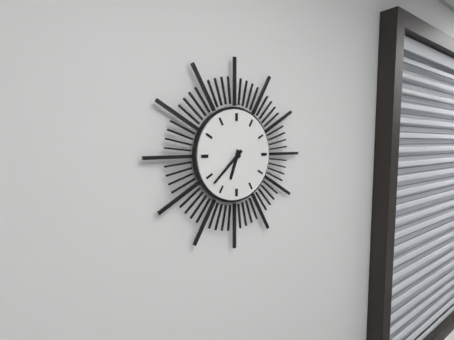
6:38
